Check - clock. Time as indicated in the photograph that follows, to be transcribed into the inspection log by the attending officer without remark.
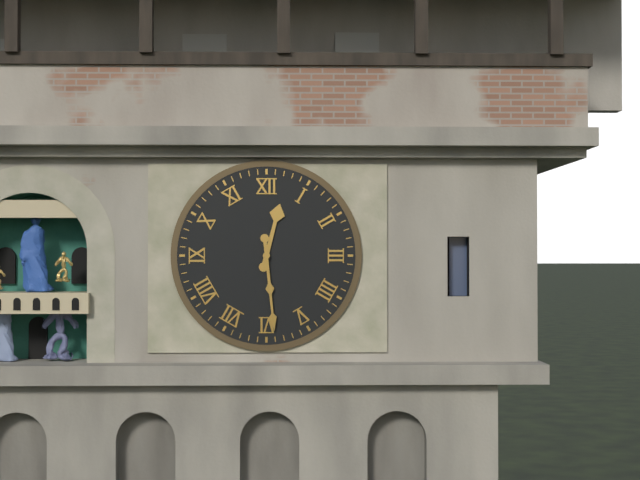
12:29
